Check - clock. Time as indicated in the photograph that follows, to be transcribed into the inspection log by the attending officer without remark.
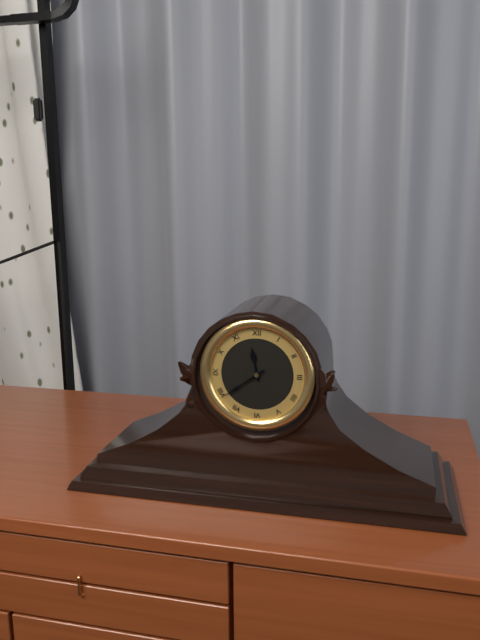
11:39
